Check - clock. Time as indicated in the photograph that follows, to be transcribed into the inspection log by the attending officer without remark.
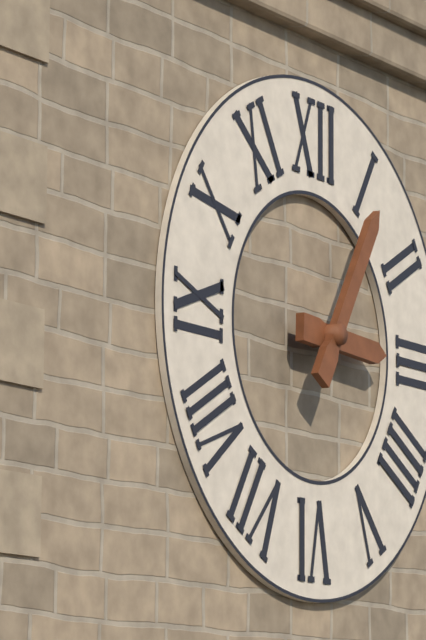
3:05
